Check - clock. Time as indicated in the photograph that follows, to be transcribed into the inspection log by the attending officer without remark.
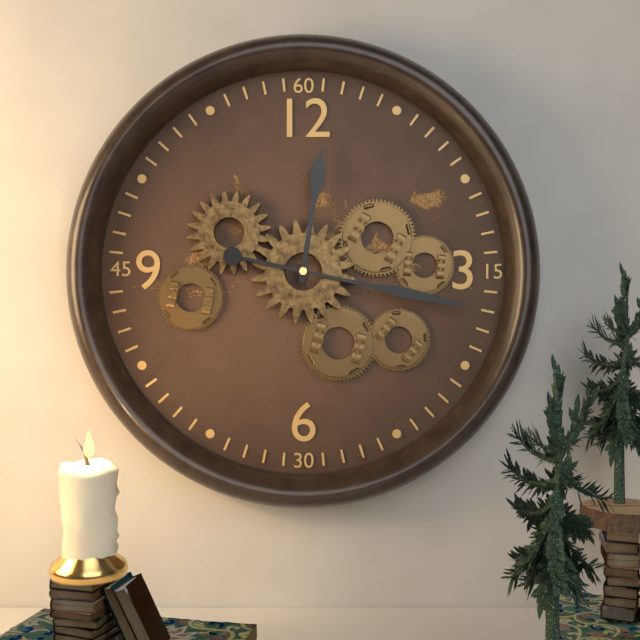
12:17
